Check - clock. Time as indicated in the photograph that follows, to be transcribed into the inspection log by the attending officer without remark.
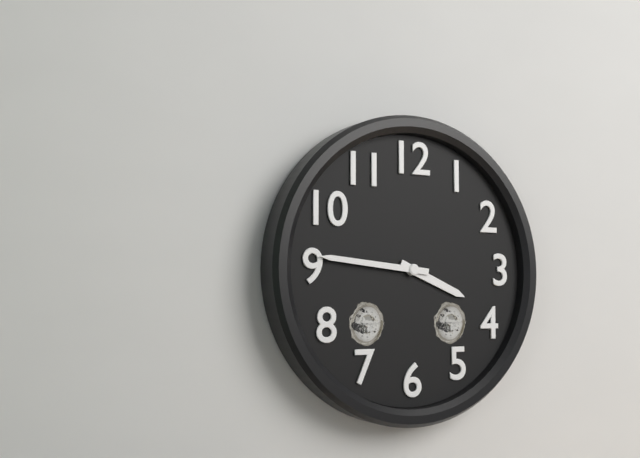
3:46
